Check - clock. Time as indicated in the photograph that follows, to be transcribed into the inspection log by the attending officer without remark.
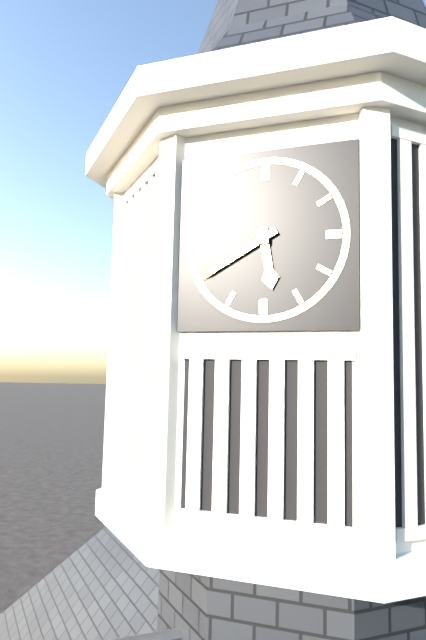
5:40
